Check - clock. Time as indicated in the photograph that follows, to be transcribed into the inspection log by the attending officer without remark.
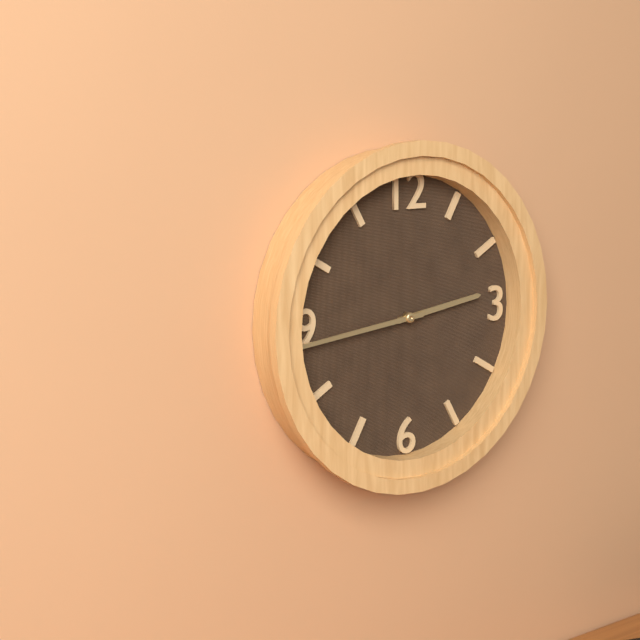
2:44
